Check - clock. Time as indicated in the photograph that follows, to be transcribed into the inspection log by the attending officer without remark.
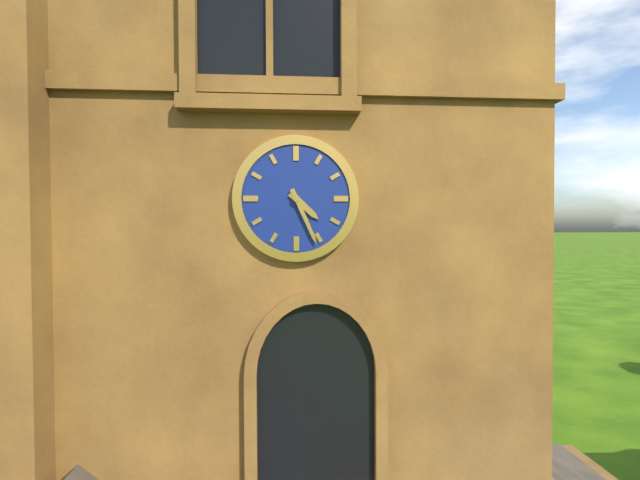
4:26
